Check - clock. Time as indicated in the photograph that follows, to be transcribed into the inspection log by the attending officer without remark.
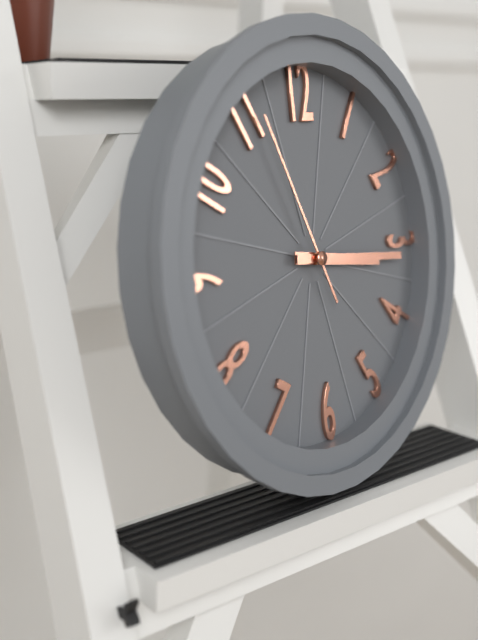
3:16:56
